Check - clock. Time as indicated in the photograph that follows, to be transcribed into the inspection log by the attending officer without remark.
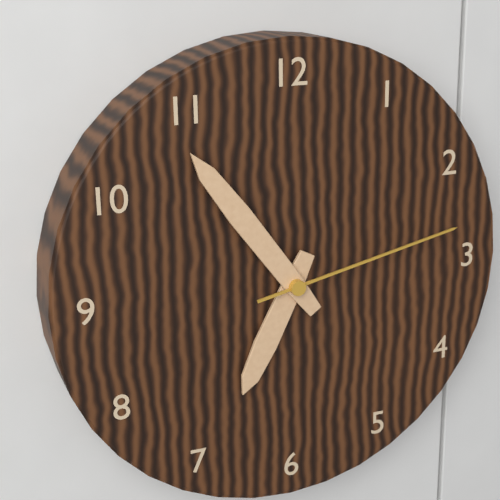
6:54:13
